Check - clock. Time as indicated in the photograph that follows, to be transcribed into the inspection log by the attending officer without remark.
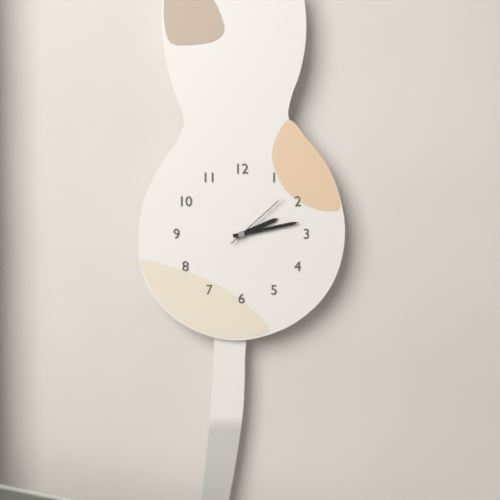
2:13:08
